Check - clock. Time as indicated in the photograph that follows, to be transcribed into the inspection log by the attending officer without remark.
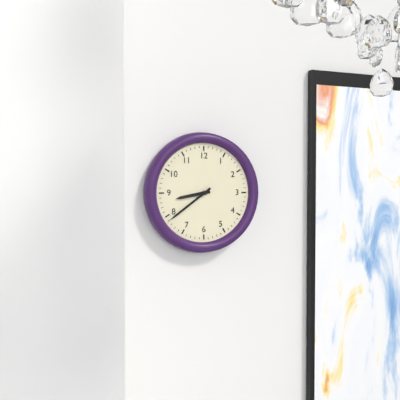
8:39
